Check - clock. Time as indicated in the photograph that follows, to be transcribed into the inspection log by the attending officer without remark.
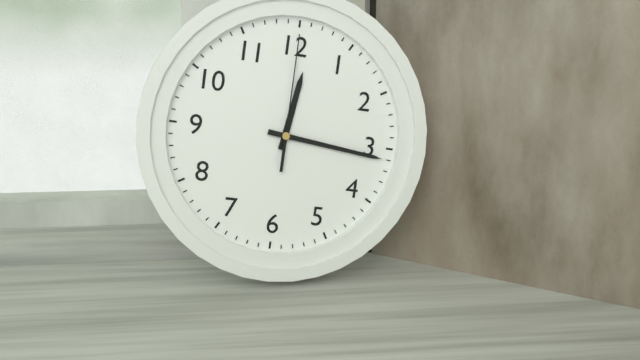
12:16:00
